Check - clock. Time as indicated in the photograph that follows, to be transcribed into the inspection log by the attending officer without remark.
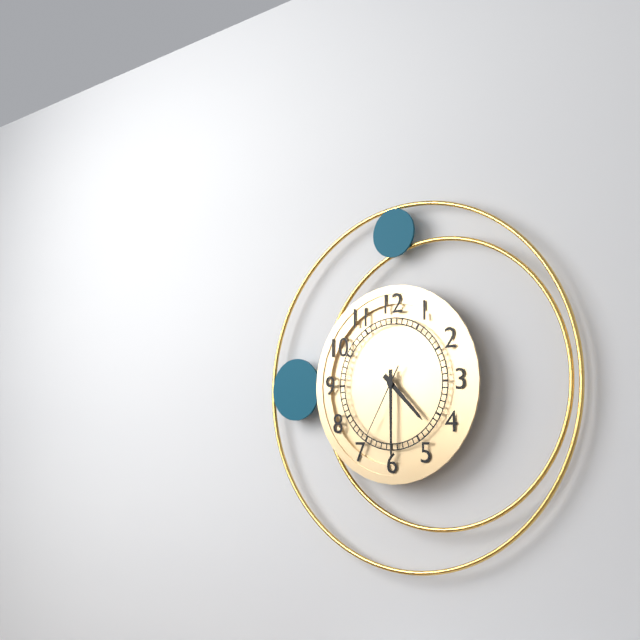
4:30:35
